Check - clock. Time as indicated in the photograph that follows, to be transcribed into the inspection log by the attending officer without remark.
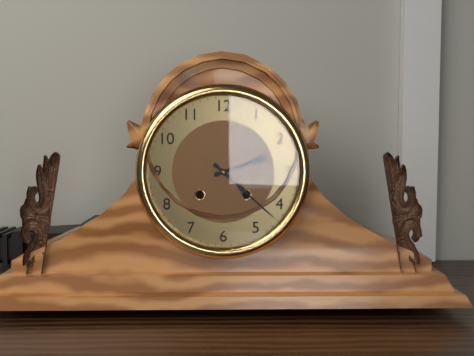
2:22
